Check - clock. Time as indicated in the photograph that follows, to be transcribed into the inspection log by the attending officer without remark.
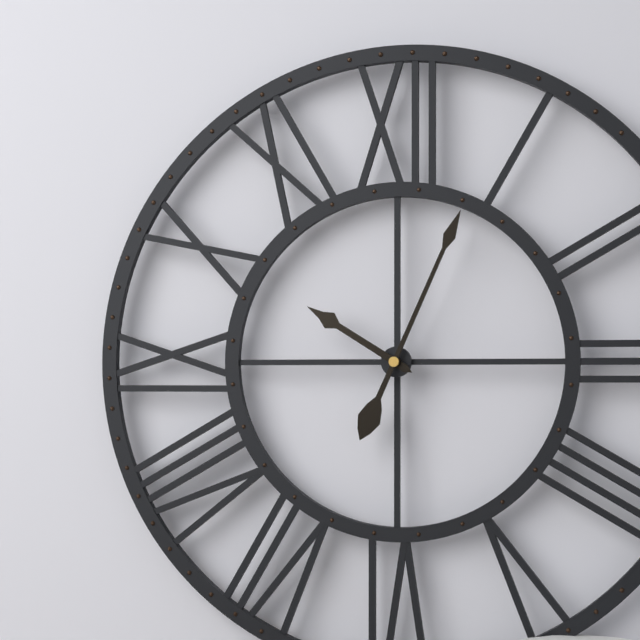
10:04
